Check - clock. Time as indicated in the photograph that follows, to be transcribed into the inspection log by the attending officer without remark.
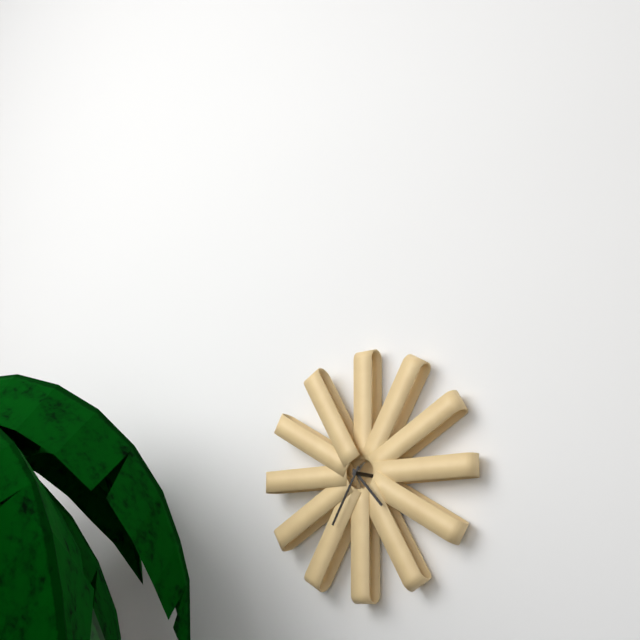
4:35
